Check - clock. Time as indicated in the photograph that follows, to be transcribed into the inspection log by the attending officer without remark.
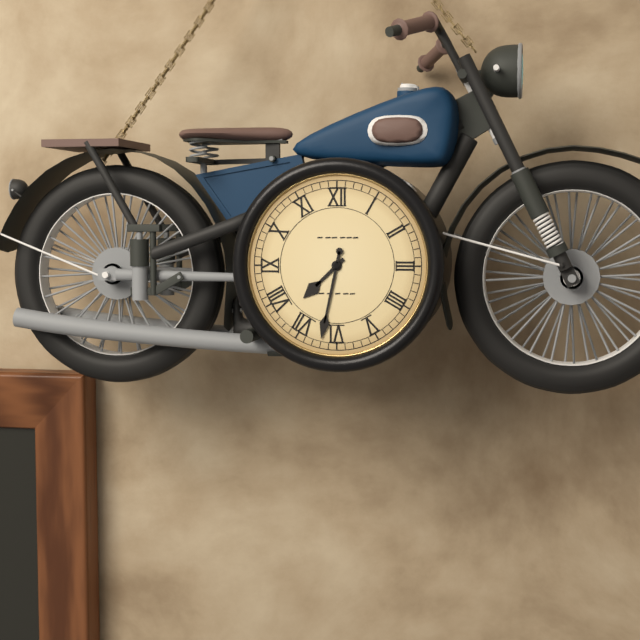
7:32
